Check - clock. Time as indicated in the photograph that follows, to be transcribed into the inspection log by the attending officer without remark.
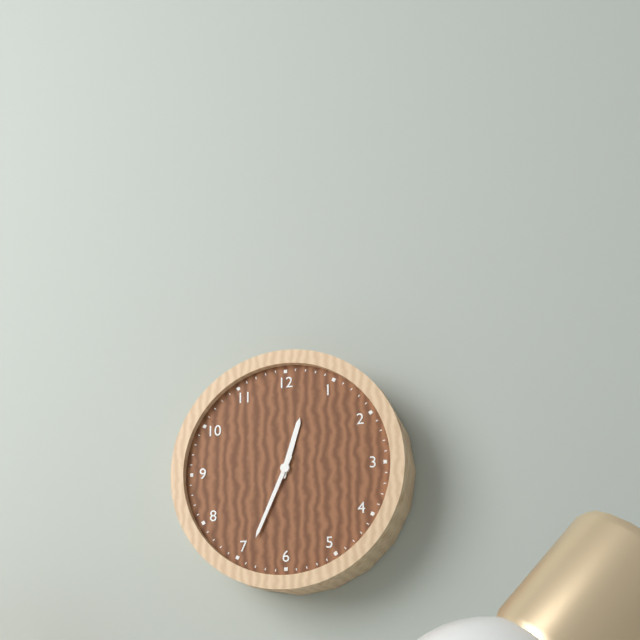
12:34
